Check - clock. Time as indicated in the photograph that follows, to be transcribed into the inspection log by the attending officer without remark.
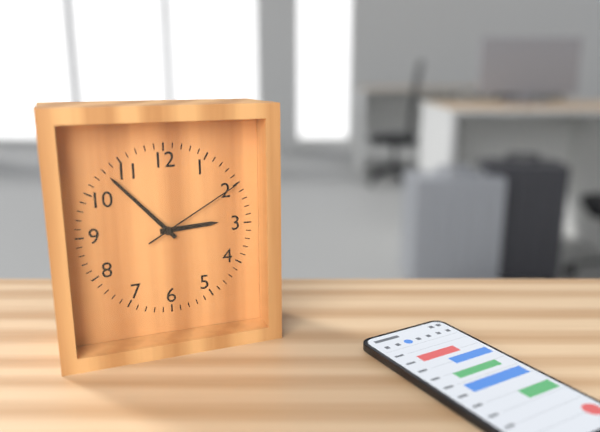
2:53:10
